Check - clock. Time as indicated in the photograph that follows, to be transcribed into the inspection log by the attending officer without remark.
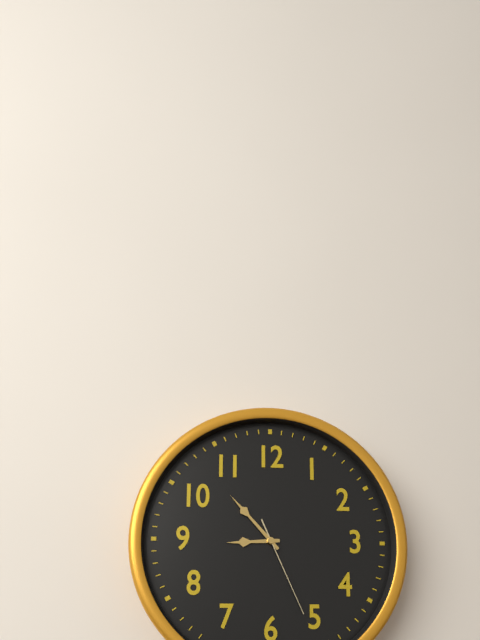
8:53:26
